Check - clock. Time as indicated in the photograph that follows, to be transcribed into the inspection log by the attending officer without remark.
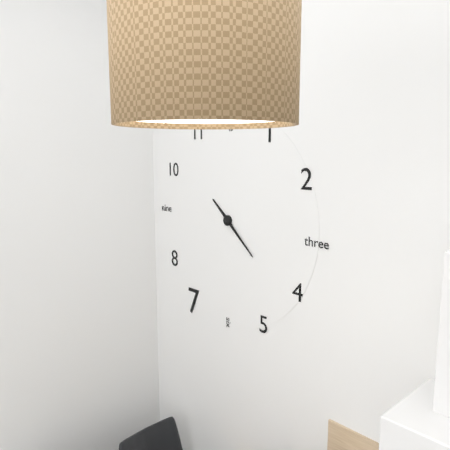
10:22
